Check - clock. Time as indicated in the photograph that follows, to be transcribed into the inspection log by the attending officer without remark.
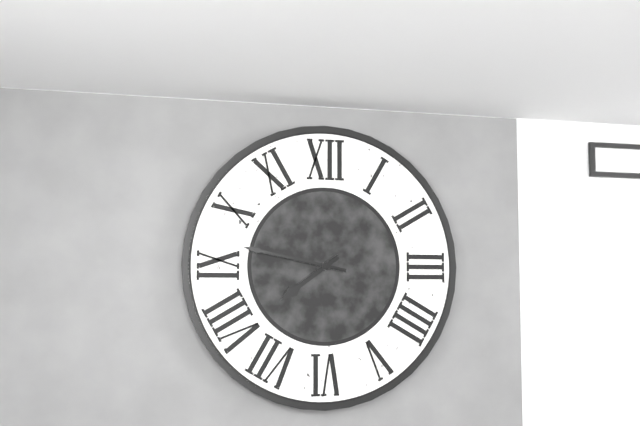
7:47
